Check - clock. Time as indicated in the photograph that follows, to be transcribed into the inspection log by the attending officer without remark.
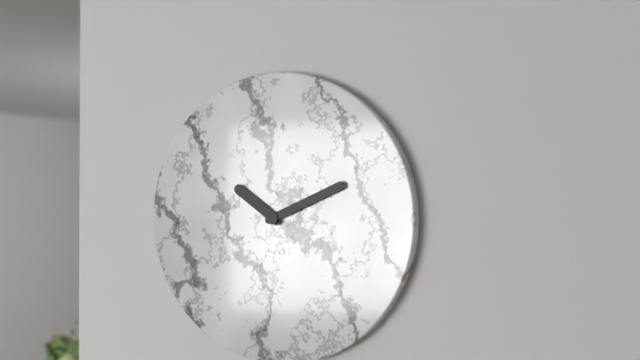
10:11
